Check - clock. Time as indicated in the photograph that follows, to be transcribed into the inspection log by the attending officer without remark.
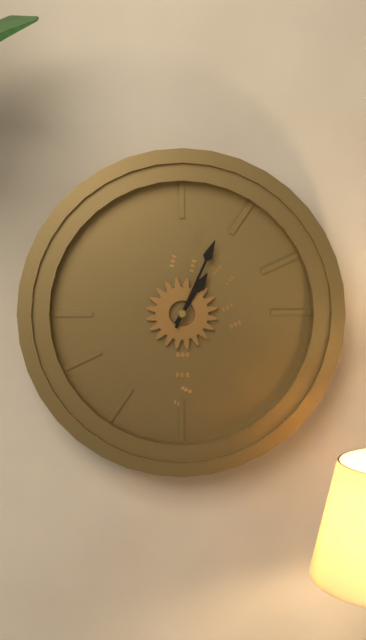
1:04
